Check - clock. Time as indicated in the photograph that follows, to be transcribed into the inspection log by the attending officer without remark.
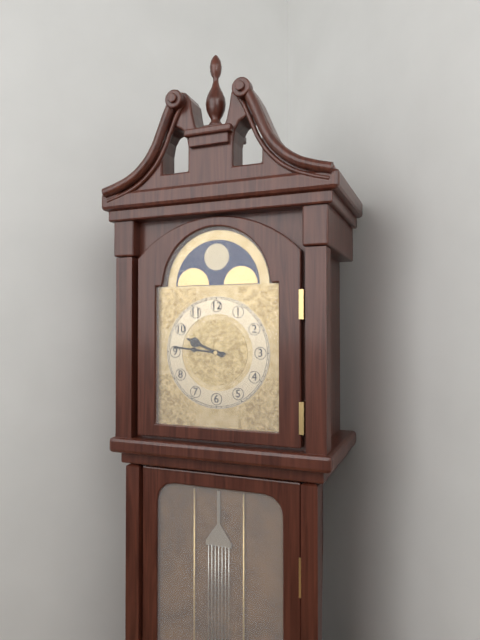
9:46
